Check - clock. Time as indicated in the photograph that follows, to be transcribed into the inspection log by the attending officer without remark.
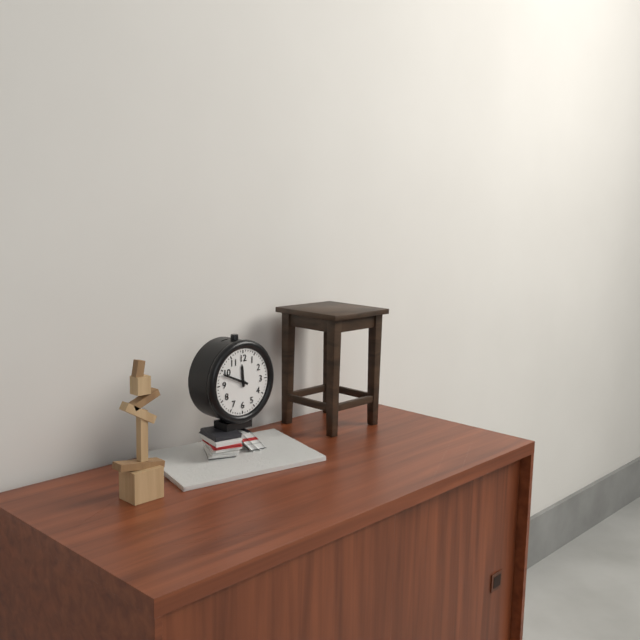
11:49
